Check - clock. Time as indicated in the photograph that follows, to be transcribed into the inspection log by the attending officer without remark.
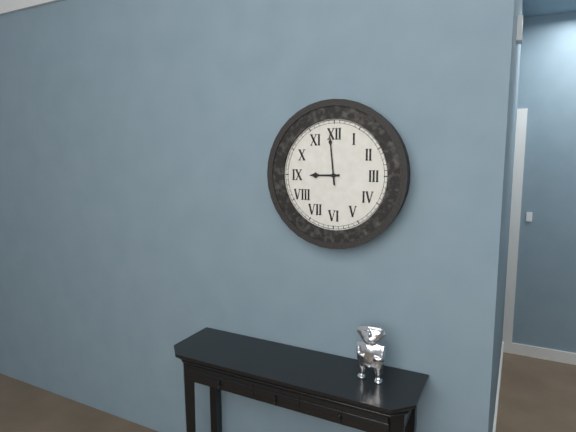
8:59
